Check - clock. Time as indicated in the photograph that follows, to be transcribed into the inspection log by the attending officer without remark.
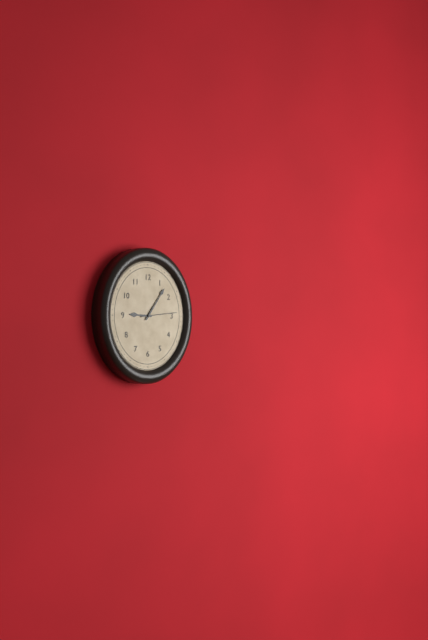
9:06
